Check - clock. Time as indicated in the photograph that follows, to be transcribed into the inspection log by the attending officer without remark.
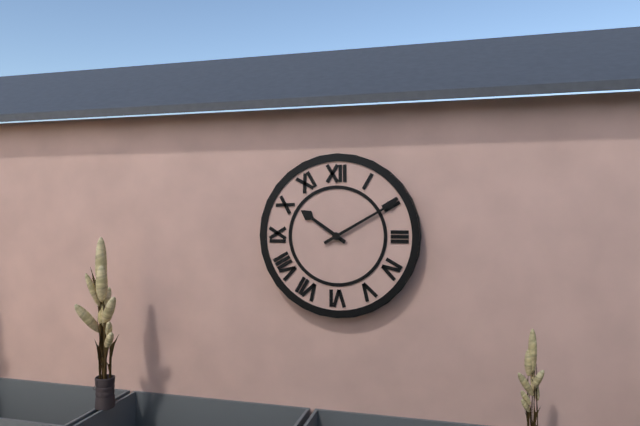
10:10
